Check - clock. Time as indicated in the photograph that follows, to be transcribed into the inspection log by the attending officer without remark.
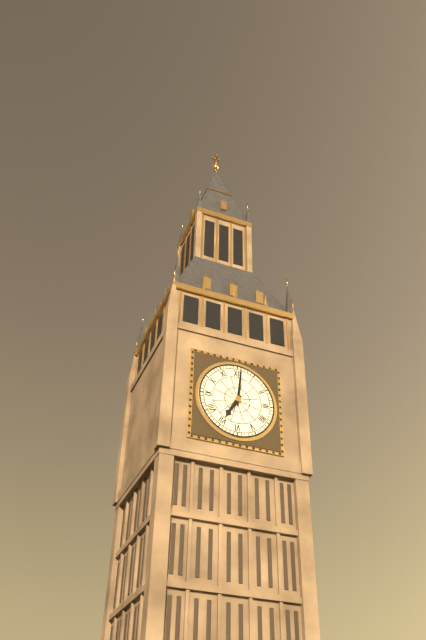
7:01
